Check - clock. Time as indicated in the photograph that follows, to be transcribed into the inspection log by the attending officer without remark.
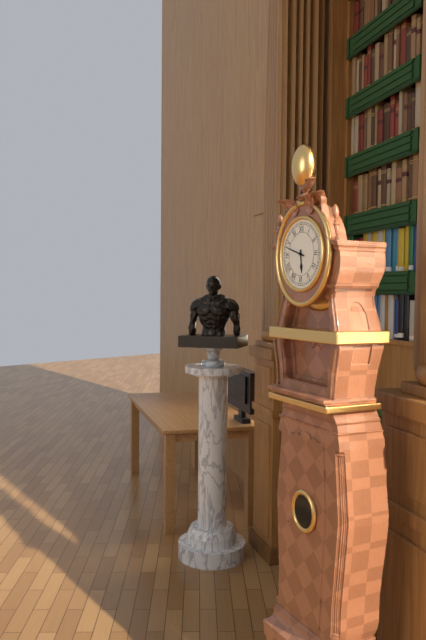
5:48
